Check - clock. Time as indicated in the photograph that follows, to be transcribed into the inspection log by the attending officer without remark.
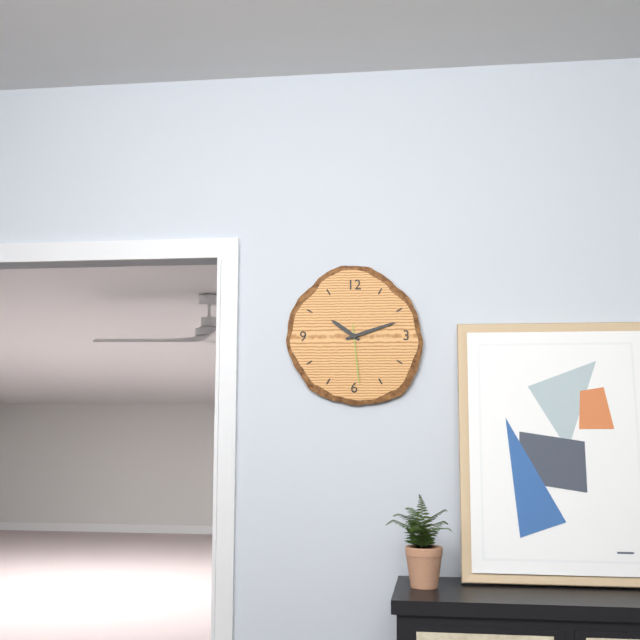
10:12:29
